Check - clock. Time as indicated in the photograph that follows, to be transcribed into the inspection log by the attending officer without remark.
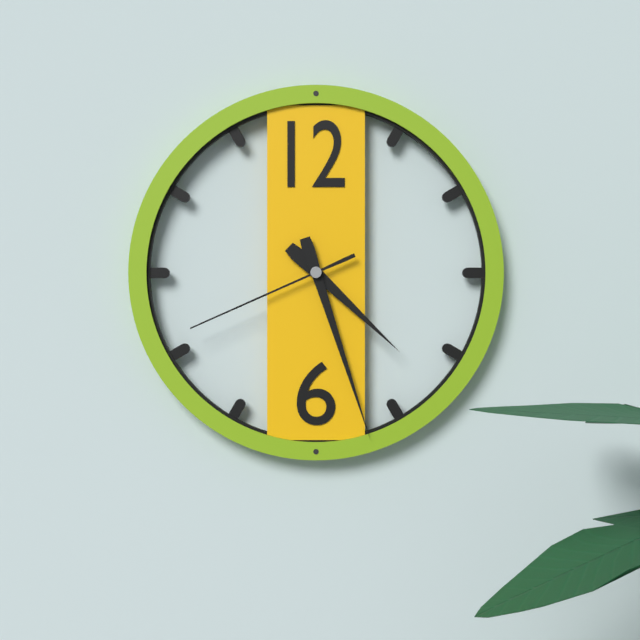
4:27:41
